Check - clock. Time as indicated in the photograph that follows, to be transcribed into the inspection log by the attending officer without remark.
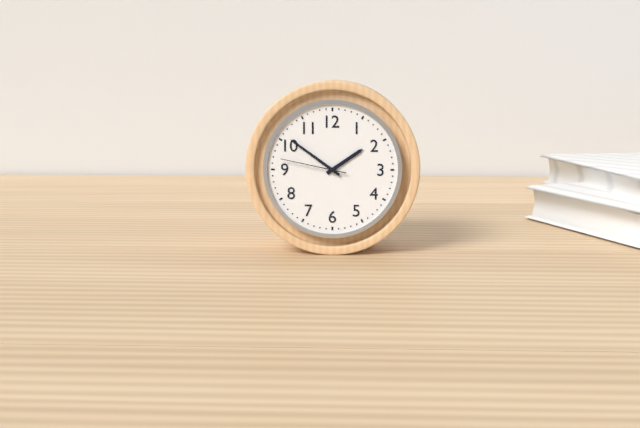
1:51:47
